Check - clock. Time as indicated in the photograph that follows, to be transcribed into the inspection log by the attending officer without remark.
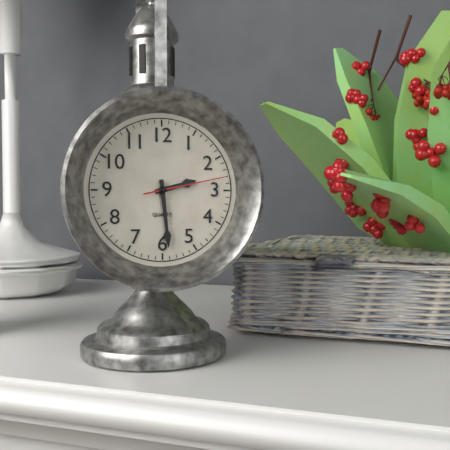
2:29:13
